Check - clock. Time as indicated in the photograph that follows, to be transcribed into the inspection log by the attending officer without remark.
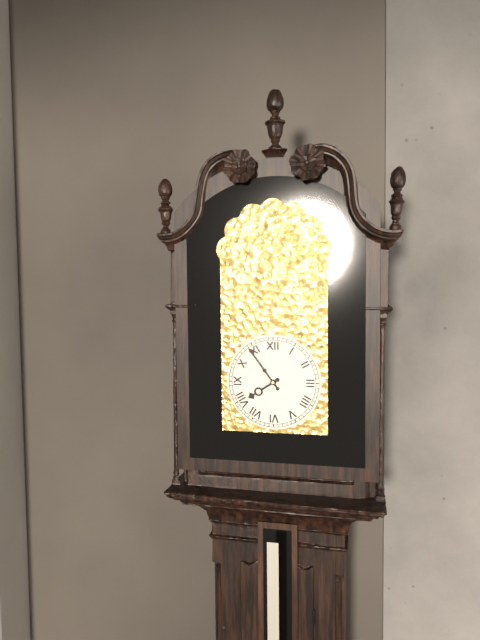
7:54
